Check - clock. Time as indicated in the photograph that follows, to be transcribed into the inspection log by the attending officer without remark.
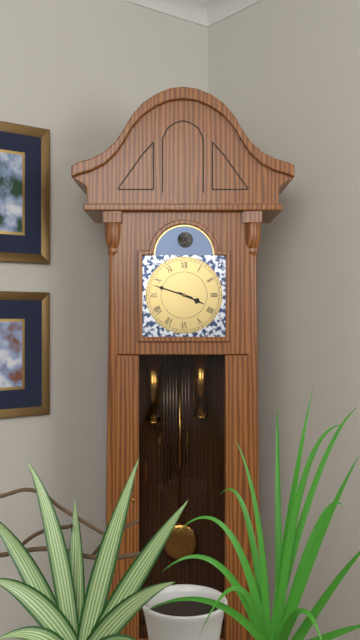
3:48
